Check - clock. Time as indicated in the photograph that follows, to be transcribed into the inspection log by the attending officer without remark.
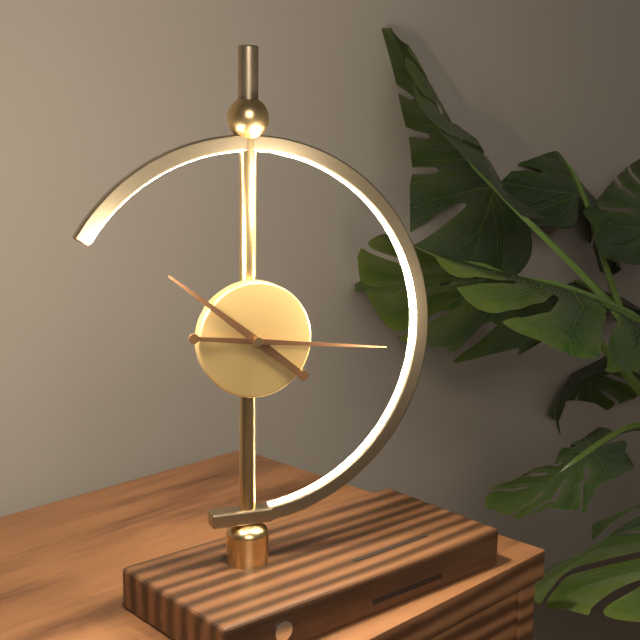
10:16
